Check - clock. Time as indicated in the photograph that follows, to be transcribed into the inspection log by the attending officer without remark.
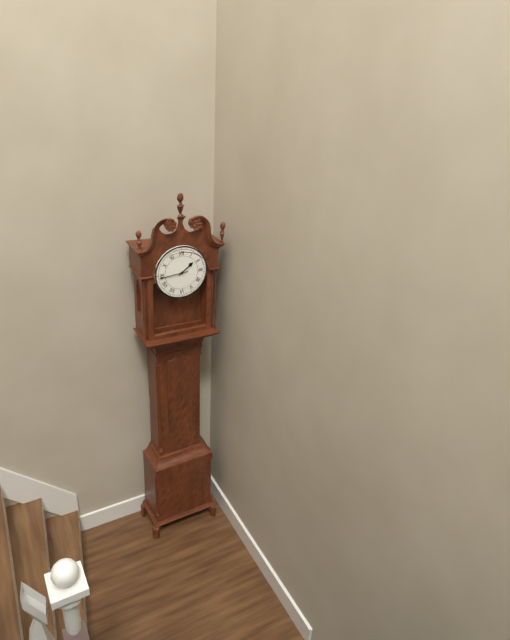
1:44
